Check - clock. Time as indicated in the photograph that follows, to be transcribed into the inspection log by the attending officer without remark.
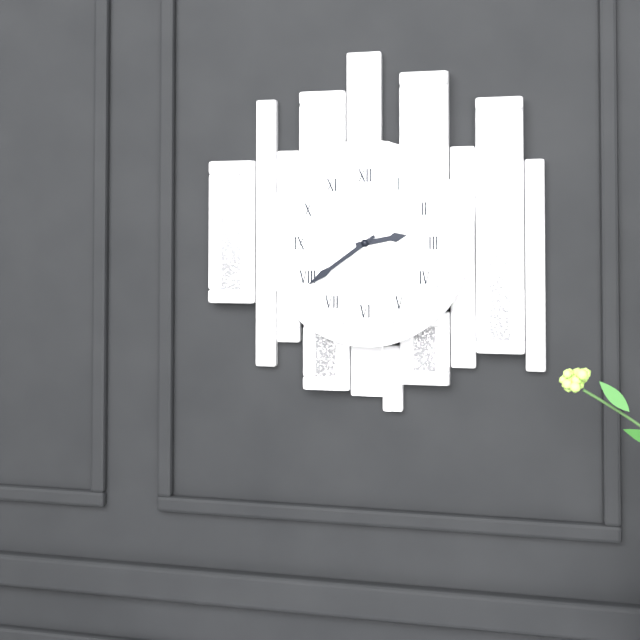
2:39
